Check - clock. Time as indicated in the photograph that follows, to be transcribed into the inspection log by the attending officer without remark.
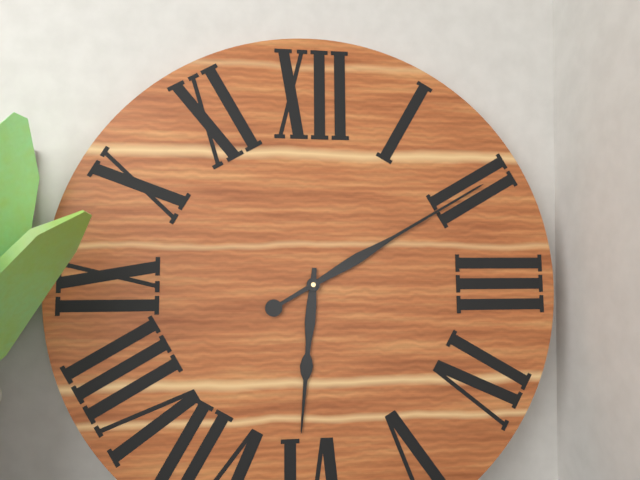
6:10
